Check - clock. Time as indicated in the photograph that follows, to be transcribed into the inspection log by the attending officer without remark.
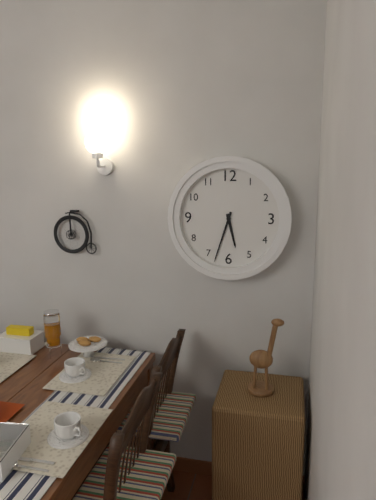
5:33
